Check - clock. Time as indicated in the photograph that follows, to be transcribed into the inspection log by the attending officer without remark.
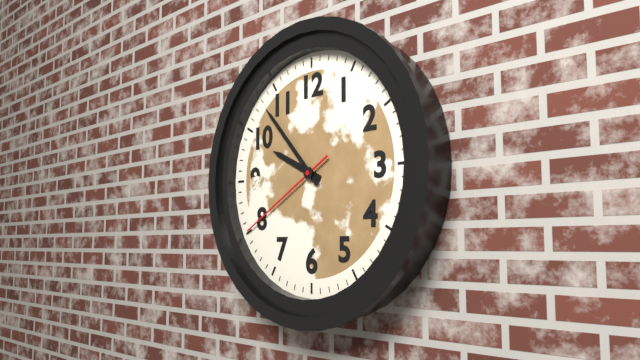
9:53:40
